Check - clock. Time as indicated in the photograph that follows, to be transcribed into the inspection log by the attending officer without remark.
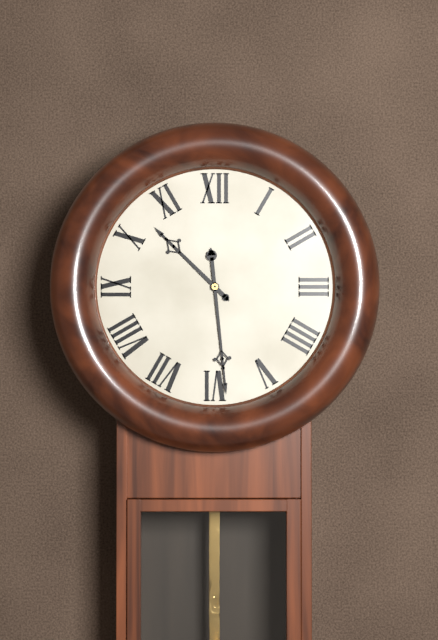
10:29
